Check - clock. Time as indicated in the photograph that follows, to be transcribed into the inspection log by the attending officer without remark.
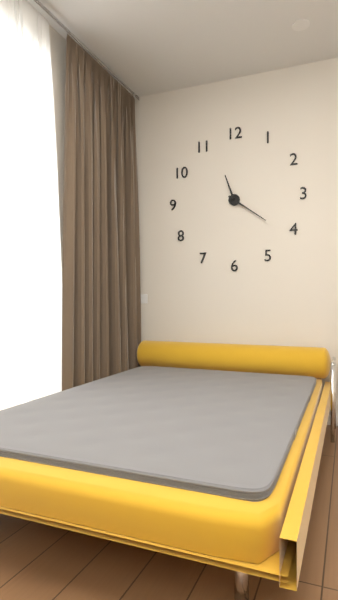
11:21
